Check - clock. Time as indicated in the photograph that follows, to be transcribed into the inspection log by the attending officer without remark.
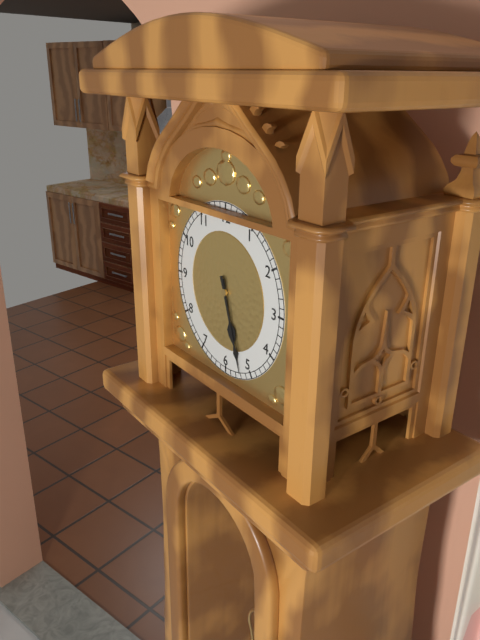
5:27
